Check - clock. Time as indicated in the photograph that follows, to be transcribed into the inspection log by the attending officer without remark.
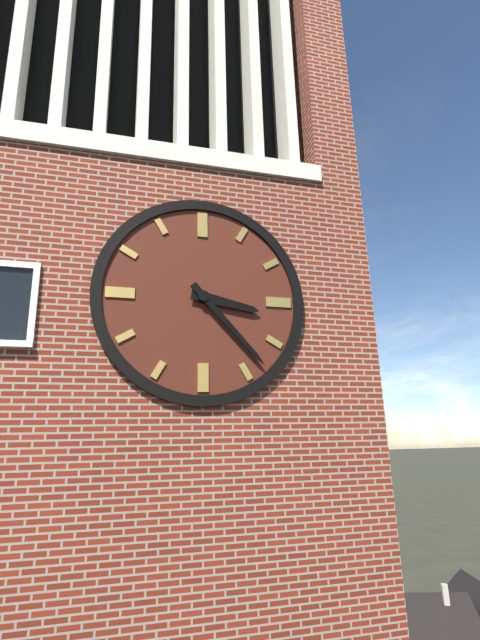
3:23
